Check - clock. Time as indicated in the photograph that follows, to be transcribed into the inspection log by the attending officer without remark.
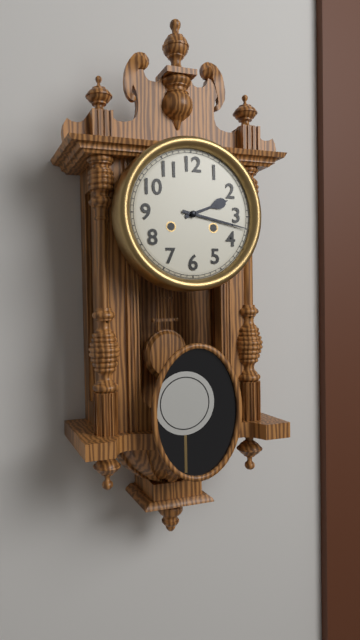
2:17
